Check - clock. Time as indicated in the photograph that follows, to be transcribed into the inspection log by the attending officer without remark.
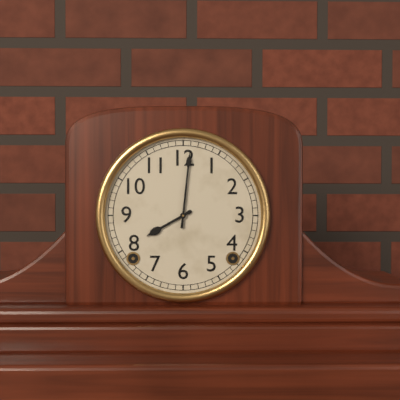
8:01
